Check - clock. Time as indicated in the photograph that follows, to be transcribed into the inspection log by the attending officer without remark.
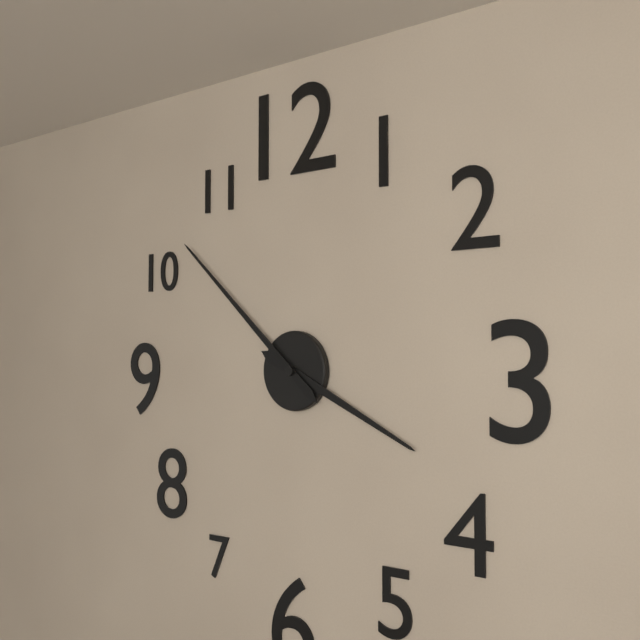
3:52
